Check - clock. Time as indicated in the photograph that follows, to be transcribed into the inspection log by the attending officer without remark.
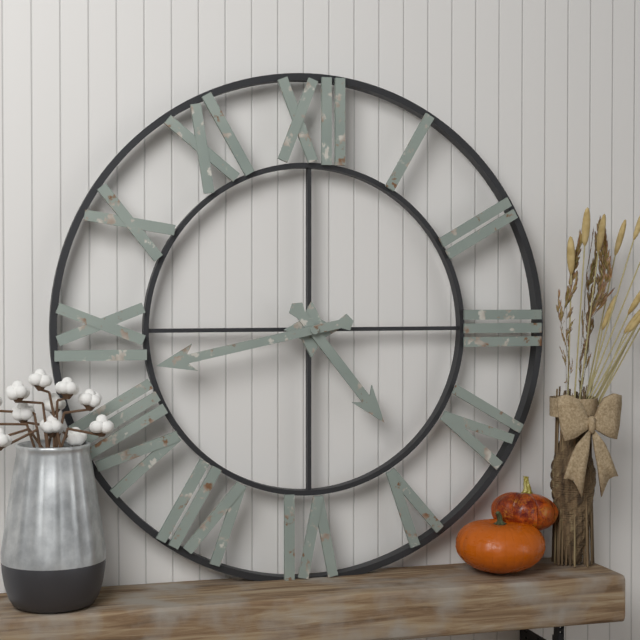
4:43
